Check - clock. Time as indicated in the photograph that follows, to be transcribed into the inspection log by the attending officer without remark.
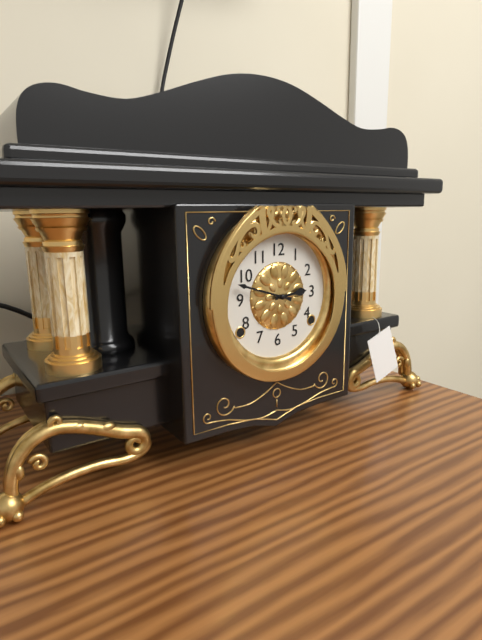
2:48
